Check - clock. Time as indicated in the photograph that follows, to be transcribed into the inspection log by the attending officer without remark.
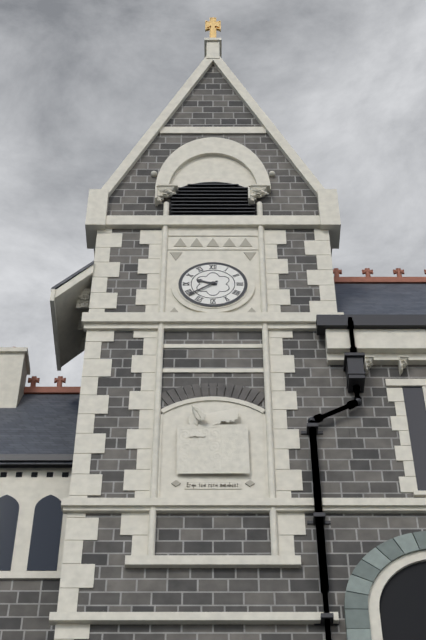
9:39
